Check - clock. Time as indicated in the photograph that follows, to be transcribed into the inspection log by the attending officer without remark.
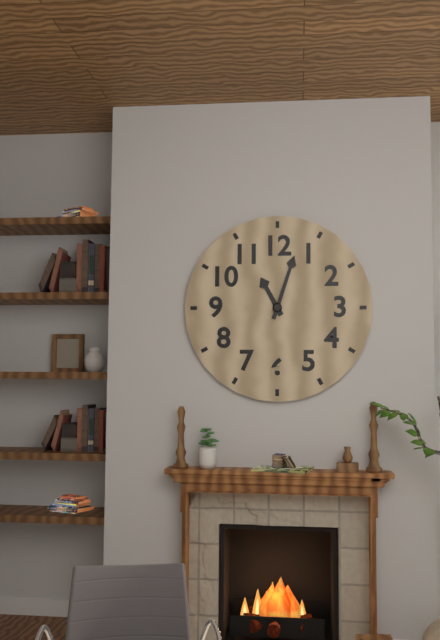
11:03
